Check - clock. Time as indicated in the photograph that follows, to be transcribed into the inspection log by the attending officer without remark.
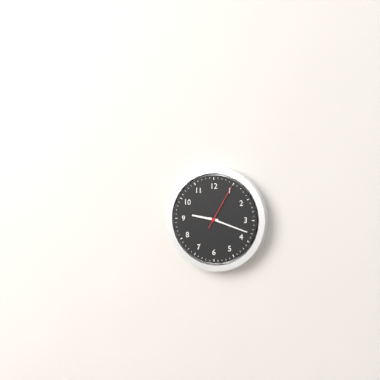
9:18
